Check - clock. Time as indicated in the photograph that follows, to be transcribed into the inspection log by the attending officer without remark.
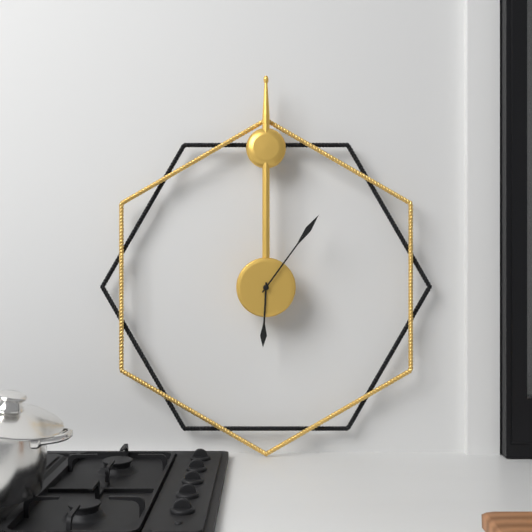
6:06
